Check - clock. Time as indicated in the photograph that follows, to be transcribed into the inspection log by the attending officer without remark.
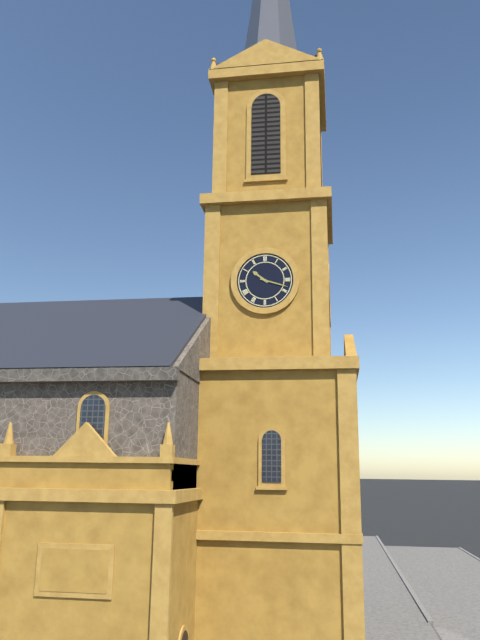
10:18
